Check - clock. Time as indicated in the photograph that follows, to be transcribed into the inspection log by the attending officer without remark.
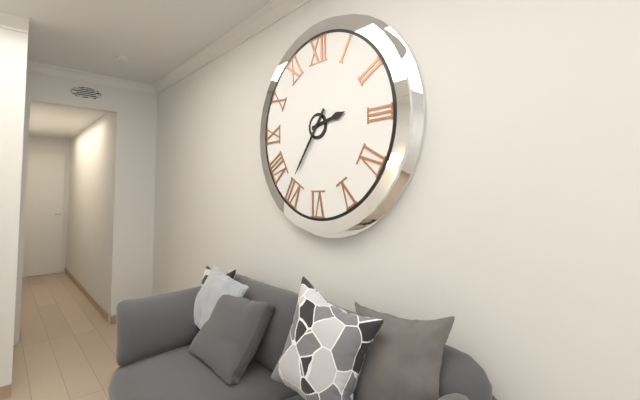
2:36
